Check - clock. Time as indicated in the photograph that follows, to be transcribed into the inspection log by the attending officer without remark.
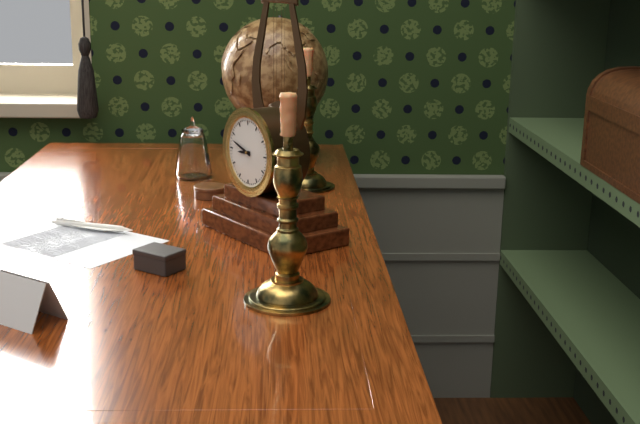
8:48
